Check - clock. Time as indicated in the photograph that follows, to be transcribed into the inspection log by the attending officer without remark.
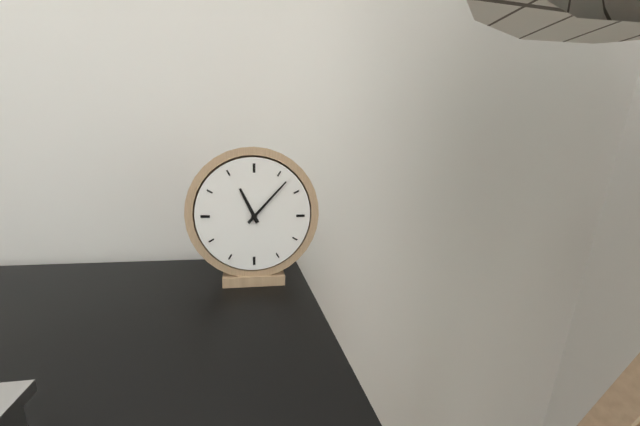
11:07
